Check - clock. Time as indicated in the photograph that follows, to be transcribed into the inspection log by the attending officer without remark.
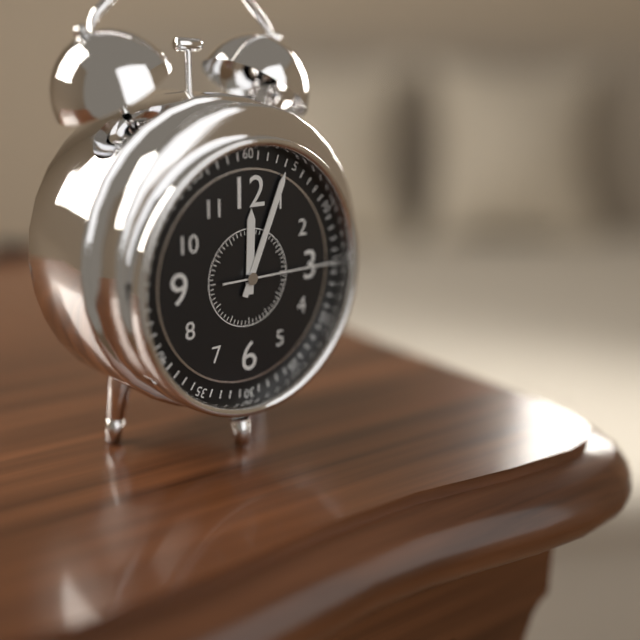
12:04:15
